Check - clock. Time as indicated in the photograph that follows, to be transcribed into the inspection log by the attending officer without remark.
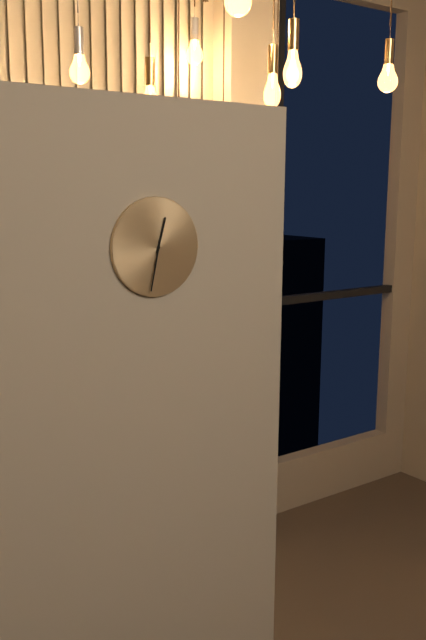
12:32
